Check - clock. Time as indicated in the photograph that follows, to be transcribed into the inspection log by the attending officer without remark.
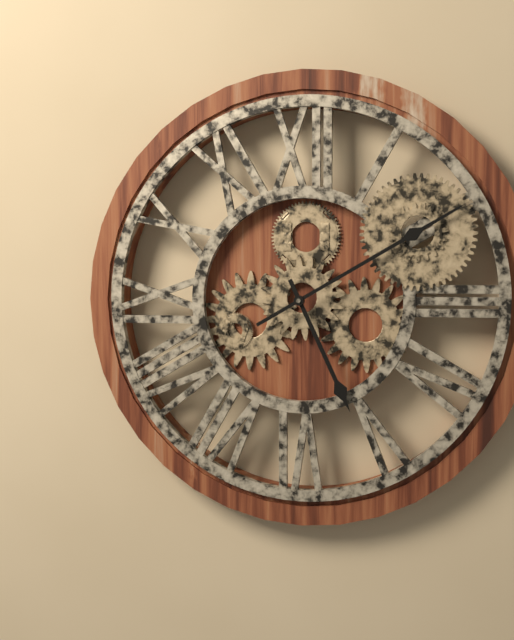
5:10
